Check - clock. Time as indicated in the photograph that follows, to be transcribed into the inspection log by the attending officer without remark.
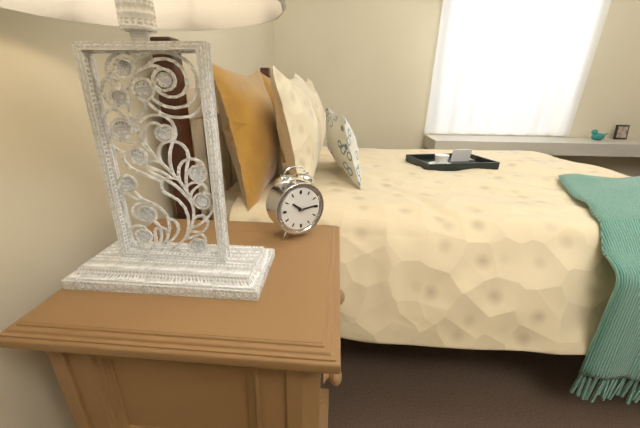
10:14
